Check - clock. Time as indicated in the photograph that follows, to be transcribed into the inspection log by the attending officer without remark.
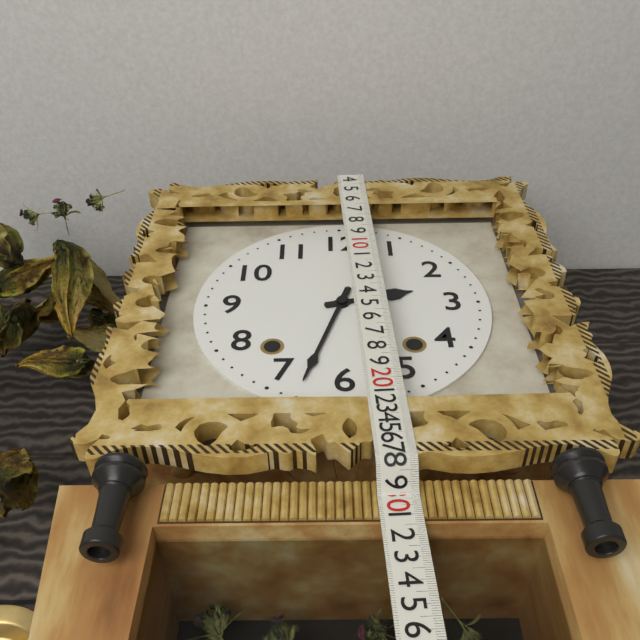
2:33
